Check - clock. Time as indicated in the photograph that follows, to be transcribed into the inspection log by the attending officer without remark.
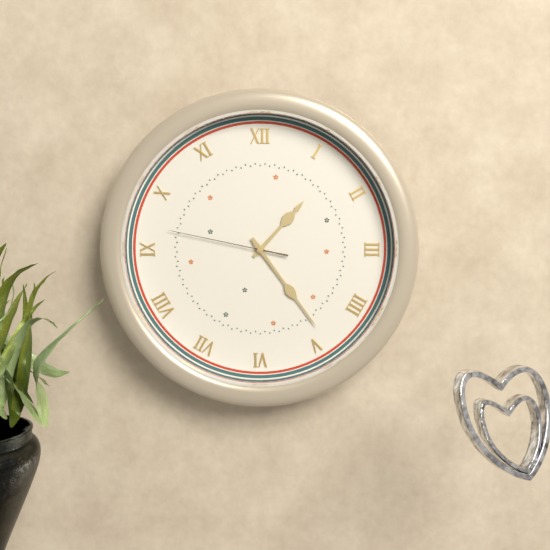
1:24:47
